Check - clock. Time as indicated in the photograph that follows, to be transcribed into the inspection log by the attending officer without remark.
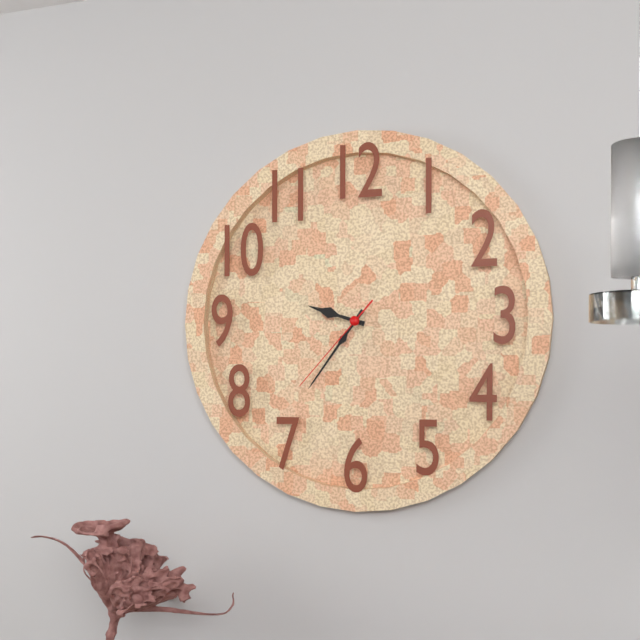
9:36:37
